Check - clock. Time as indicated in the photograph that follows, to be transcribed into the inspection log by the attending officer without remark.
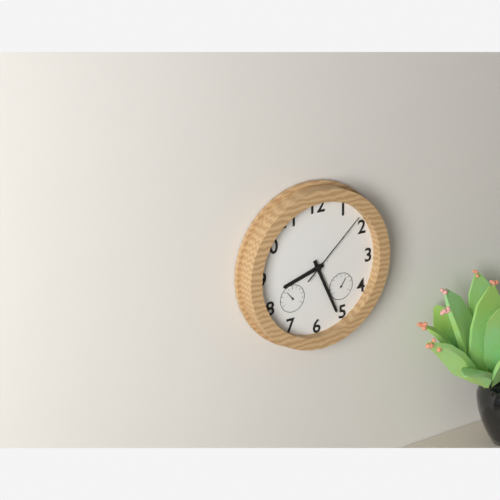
8:26:08
